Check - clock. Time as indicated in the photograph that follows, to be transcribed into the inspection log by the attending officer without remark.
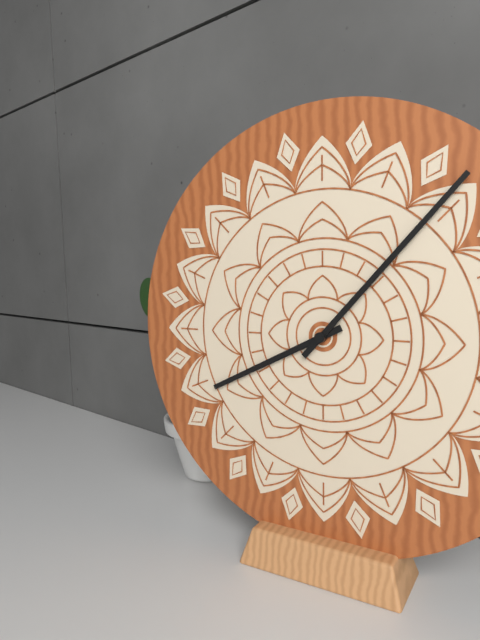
8:07
